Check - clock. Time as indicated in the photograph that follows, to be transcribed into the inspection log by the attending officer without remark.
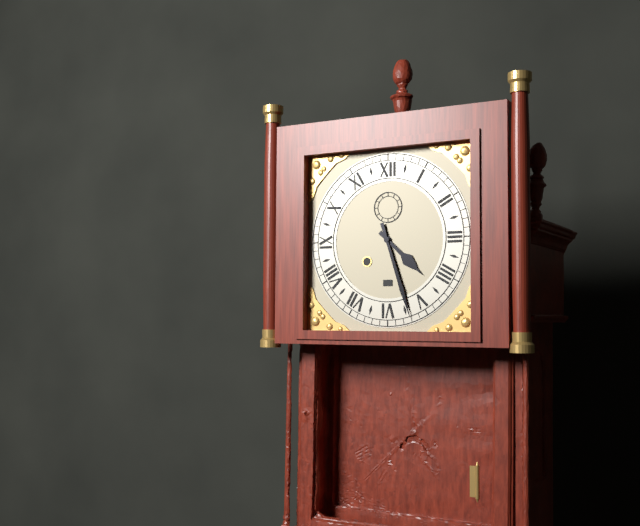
4:27
